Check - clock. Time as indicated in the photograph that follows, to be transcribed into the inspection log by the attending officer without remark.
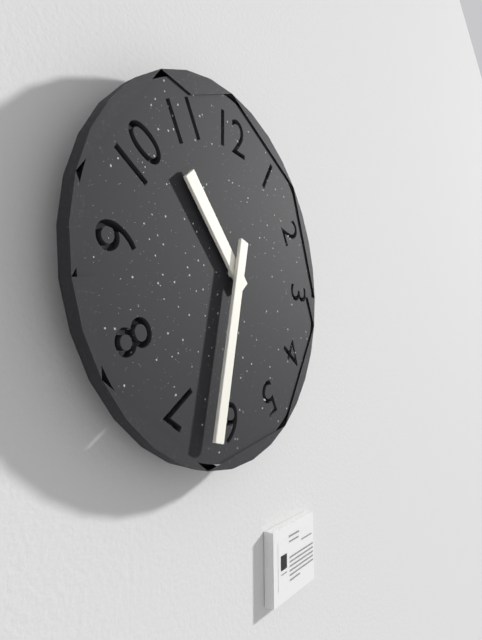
10:32
